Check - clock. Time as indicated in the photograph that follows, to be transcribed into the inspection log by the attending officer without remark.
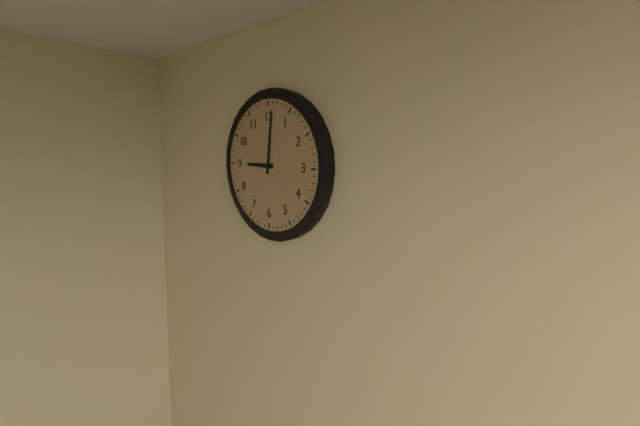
9:01
